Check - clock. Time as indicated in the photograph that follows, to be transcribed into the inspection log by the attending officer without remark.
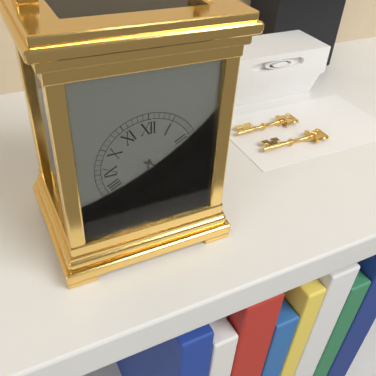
6:20
